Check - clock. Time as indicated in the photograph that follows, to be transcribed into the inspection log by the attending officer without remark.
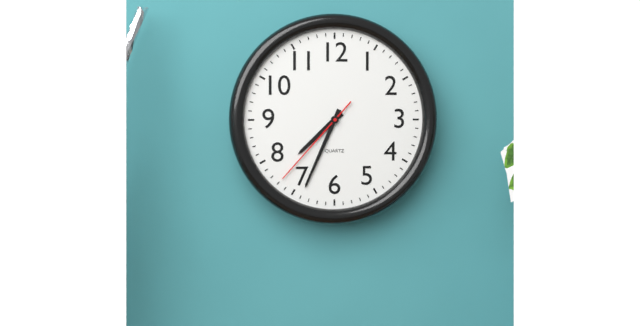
7:34:37
